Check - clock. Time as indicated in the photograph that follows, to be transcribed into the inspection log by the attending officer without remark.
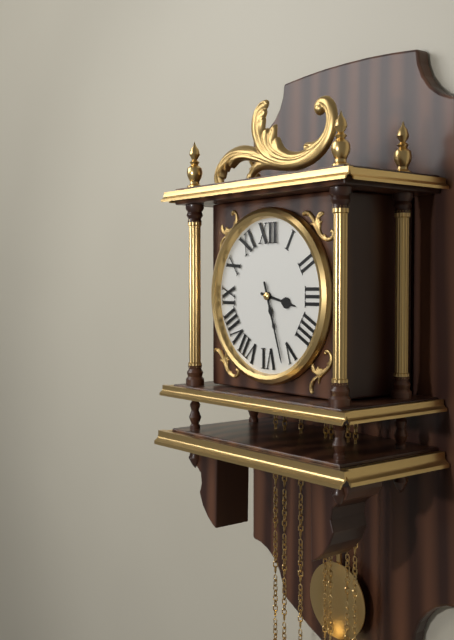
3:27
